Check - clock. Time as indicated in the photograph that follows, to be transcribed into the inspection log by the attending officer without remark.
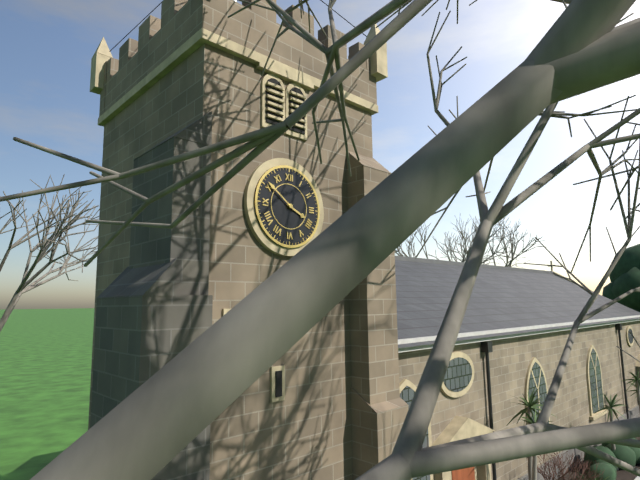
3:51
